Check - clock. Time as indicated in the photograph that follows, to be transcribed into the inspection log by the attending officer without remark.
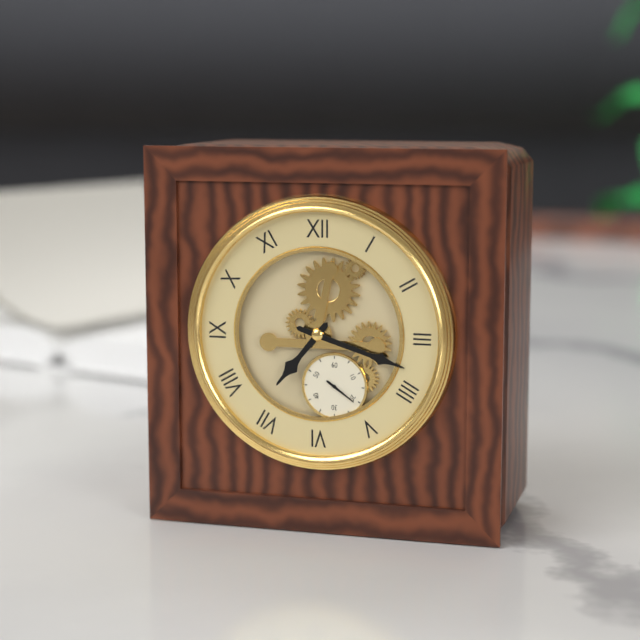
7:18
